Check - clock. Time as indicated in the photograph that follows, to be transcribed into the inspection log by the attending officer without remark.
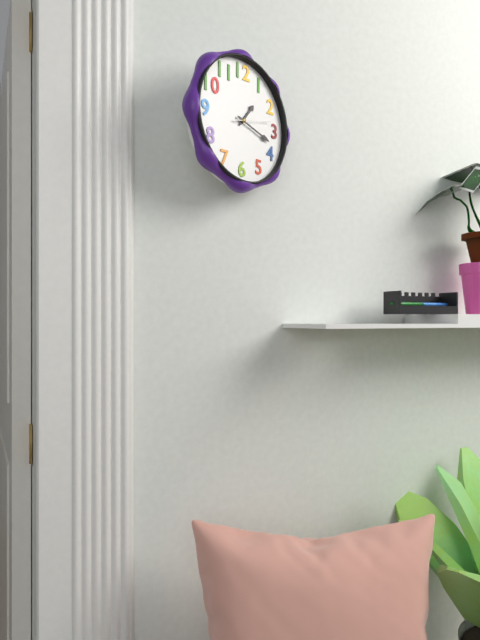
1:18
